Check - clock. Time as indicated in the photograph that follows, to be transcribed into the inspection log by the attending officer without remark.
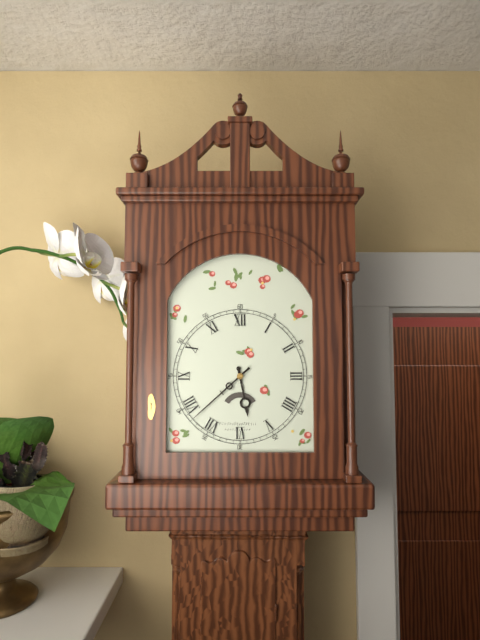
5:38
